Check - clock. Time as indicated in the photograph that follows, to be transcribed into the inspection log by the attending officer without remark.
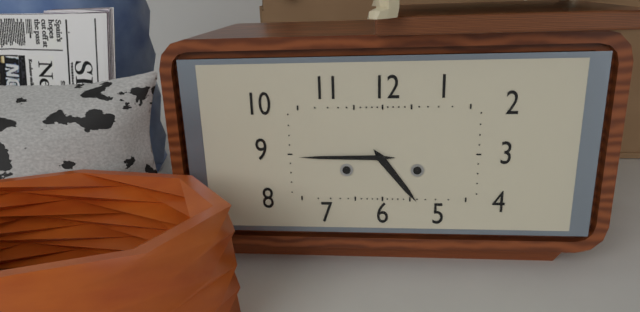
4:45
